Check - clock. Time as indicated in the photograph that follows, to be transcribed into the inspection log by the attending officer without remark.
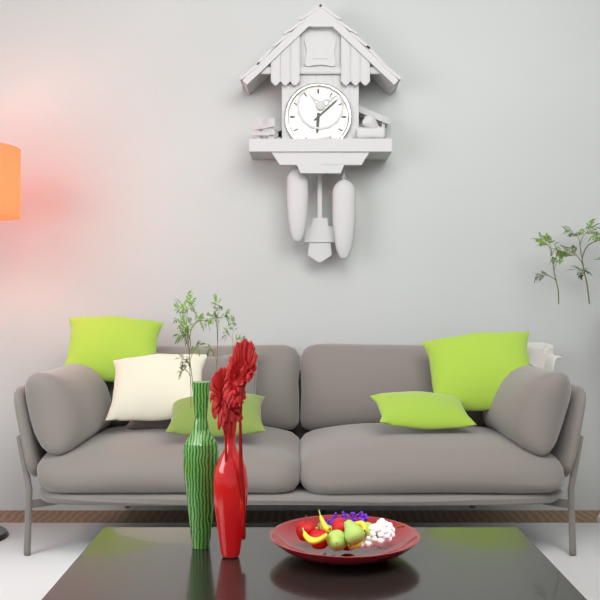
6:08
